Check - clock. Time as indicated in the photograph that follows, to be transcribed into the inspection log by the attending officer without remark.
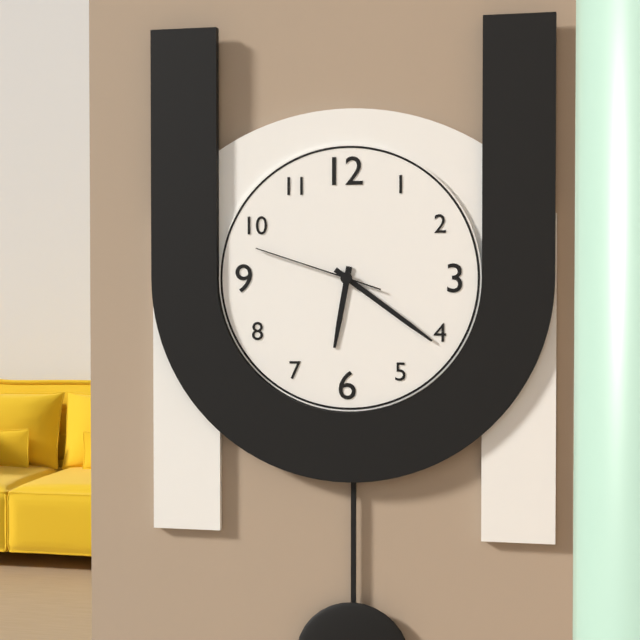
6:21:48
